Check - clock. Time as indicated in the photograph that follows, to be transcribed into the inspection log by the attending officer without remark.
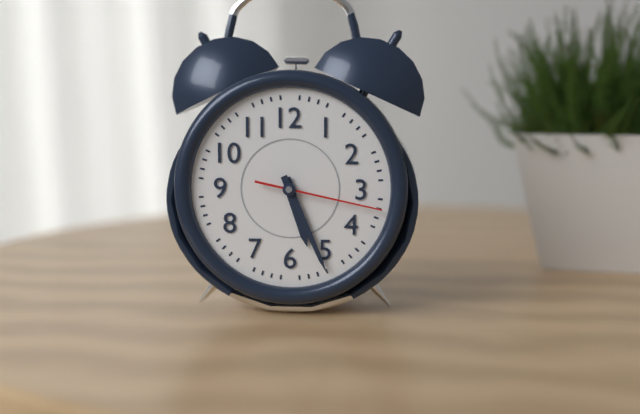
5:26:17
